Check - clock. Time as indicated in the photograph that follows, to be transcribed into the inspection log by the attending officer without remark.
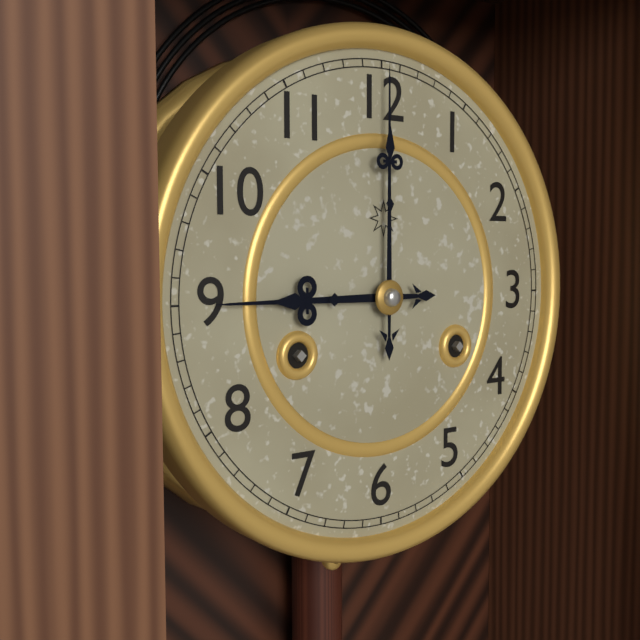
9:00
